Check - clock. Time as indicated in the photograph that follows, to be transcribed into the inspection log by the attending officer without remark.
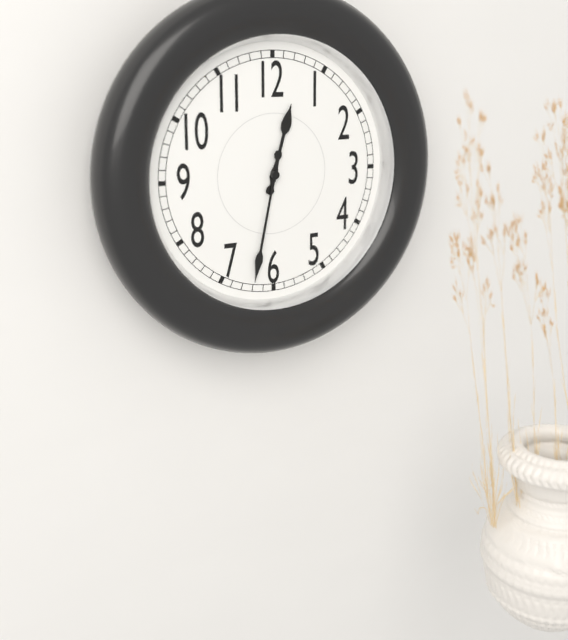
12:32
